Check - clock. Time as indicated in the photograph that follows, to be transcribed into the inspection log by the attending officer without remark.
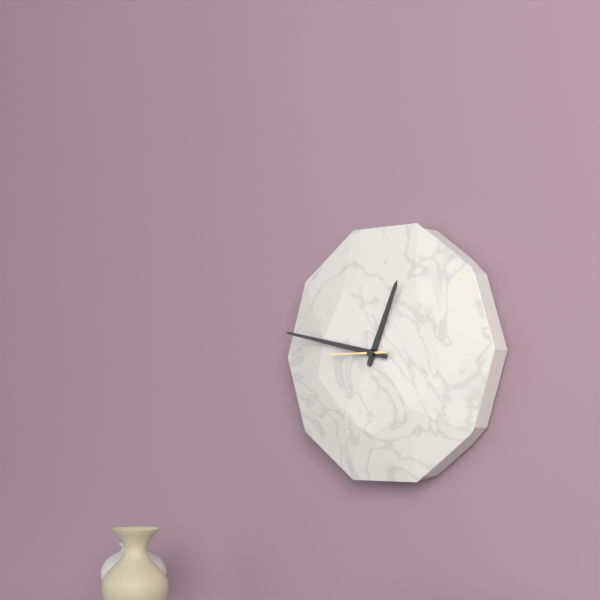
12:47:45
